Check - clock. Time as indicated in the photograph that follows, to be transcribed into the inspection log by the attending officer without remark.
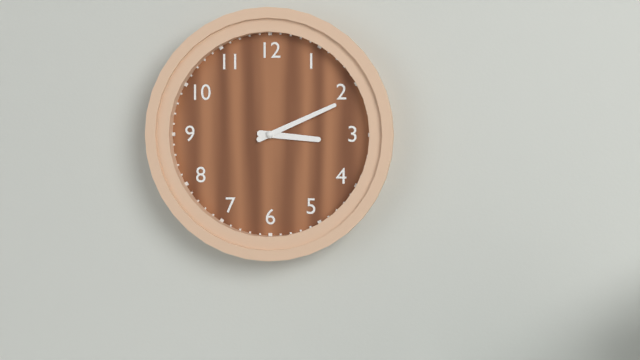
3:11
